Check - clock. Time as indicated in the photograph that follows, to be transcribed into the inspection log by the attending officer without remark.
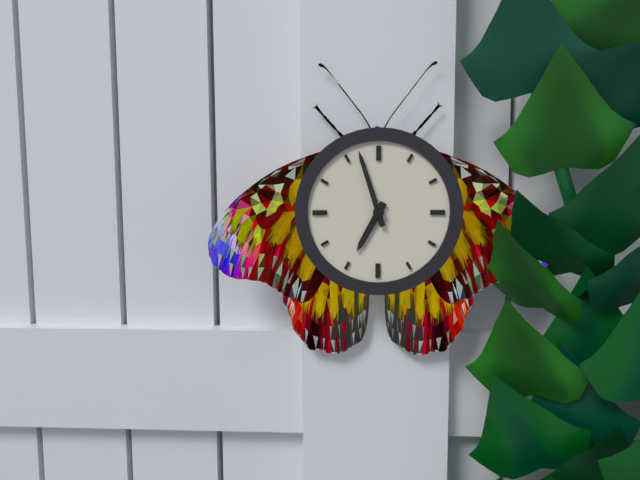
6:57
